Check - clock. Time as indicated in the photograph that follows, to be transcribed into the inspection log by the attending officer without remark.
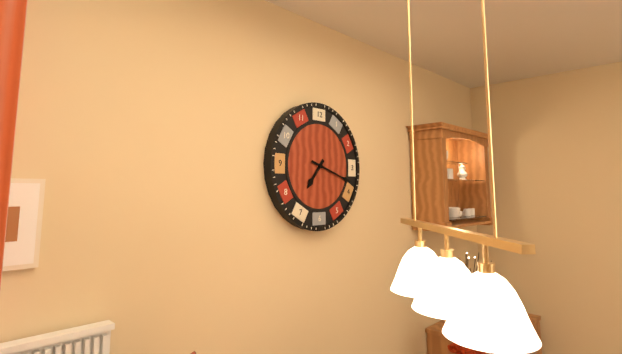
7:18
